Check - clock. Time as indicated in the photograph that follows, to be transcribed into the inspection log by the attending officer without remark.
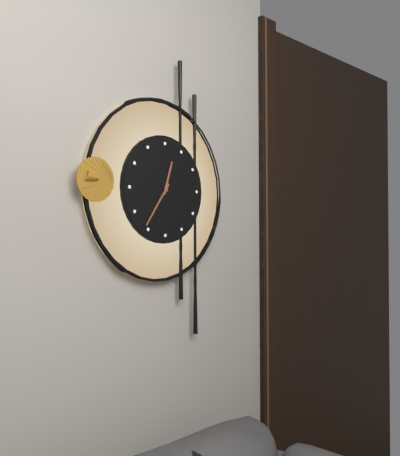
12:36
